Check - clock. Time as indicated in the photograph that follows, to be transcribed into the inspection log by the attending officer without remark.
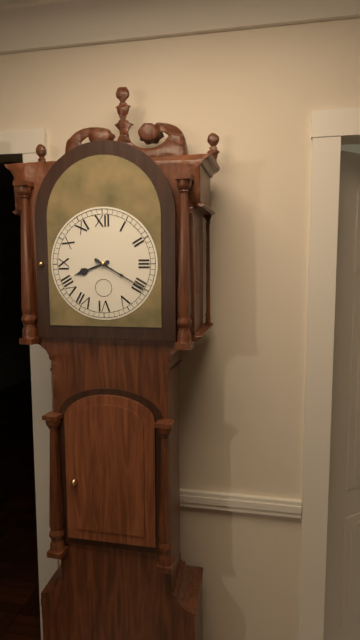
8:20
